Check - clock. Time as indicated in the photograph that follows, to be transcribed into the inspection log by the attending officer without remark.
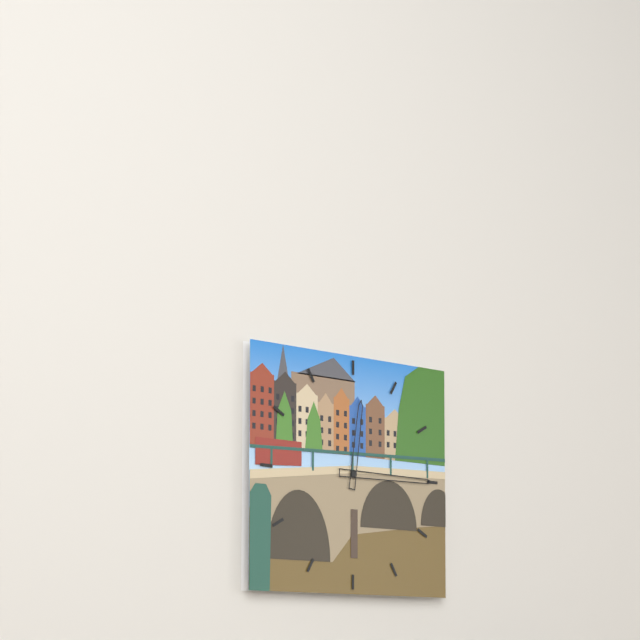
12:15
